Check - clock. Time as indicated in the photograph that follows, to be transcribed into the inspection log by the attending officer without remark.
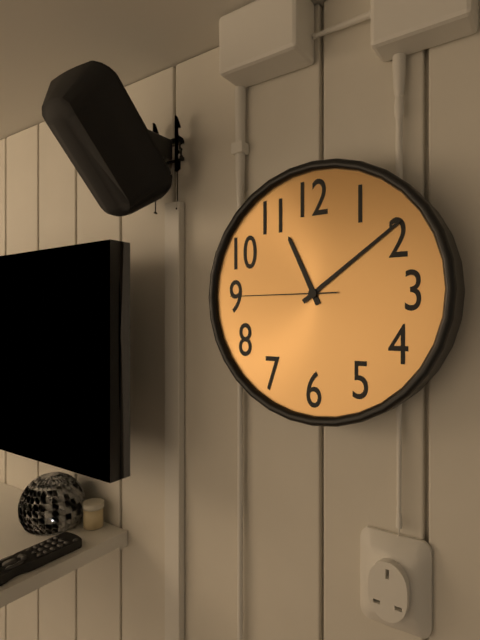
11:09:45
